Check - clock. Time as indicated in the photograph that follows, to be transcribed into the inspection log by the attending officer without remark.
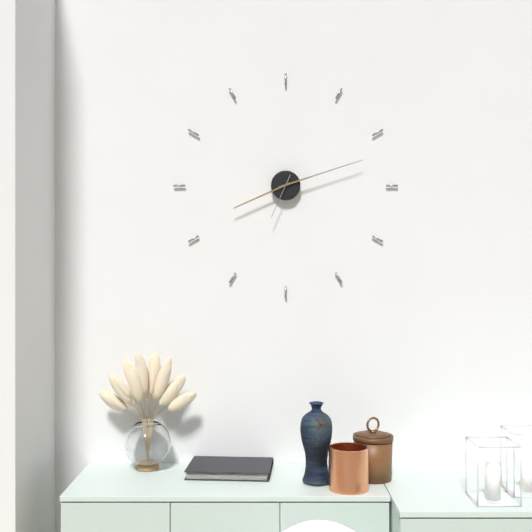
8:12
